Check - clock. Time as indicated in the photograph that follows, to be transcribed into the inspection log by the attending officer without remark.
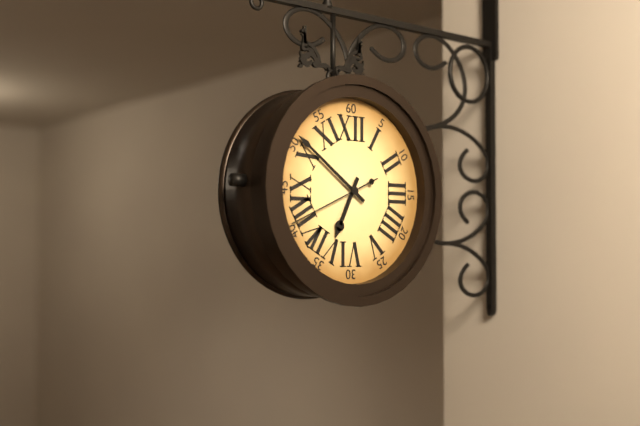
6:51:41
